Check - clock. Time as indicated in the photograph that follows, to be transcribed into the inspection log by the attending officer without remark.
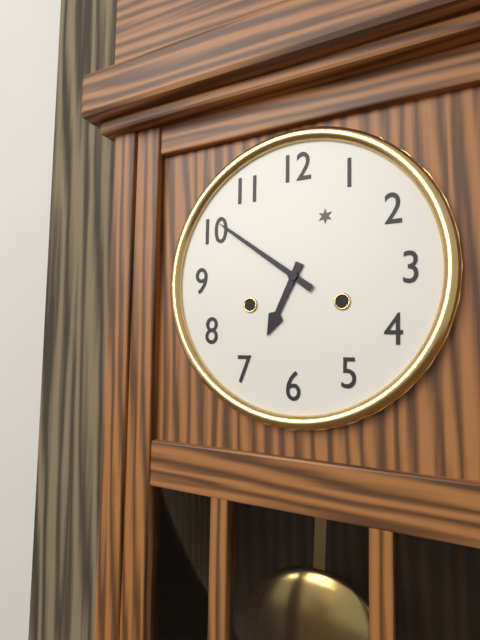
6:51
